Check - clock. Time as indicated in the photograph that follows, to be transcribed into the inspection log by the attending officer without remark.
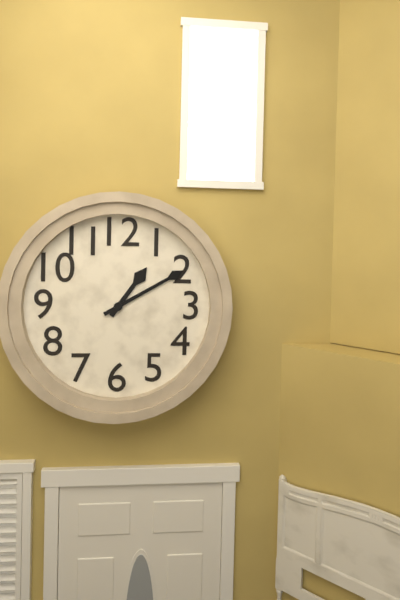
1:10
